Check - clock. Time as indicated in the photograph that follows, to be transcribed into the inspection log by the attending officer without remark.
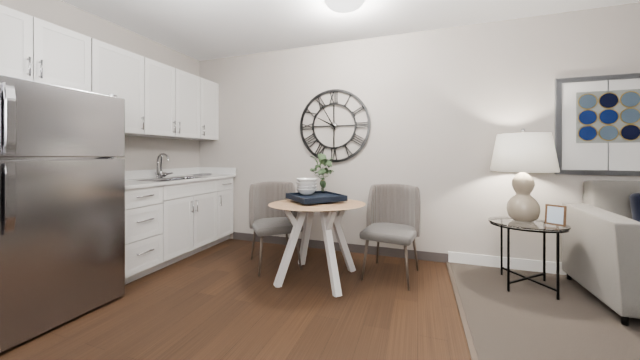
9:55
